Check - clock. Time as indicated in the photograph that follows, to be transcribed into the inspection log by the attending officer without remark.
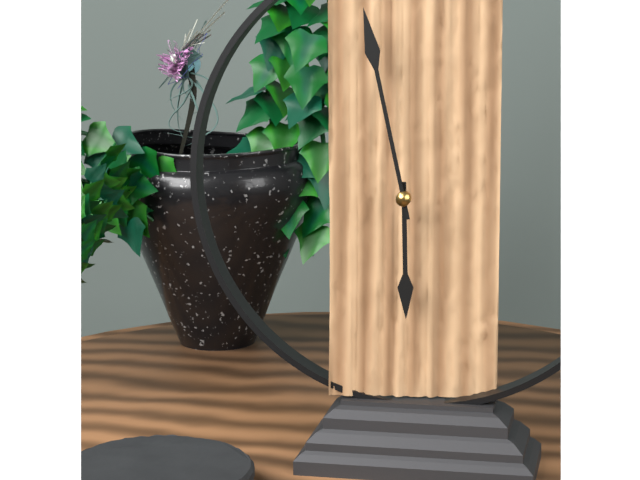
5:58
